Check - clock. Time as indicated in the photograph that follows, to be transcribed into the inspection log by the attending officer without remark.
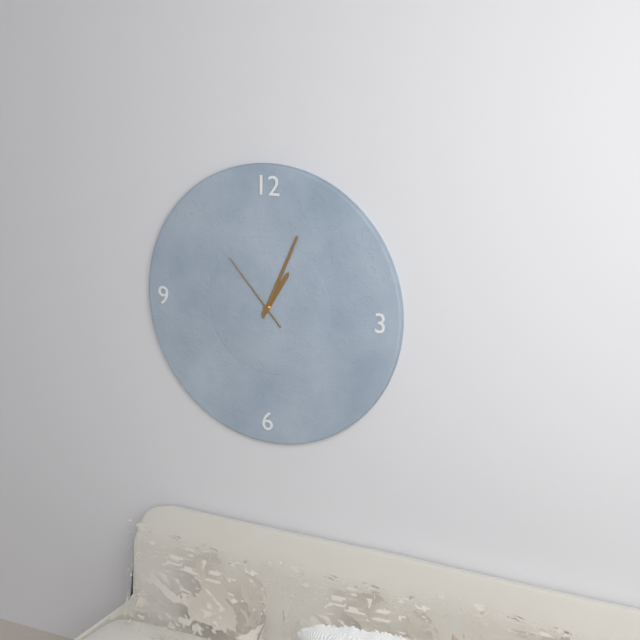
1:04:53
